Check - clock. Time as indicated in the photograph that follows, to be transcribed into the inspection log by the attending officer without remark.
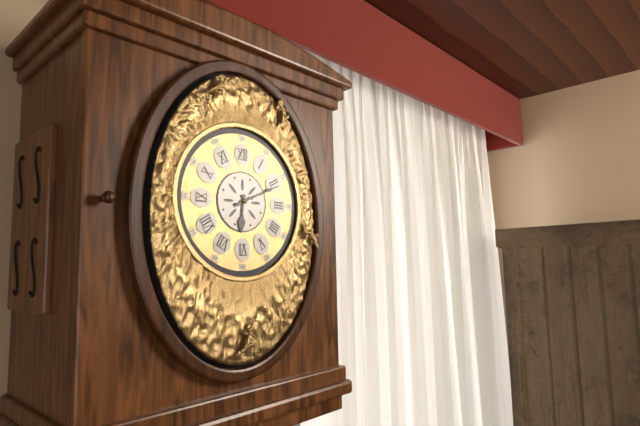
6:11
